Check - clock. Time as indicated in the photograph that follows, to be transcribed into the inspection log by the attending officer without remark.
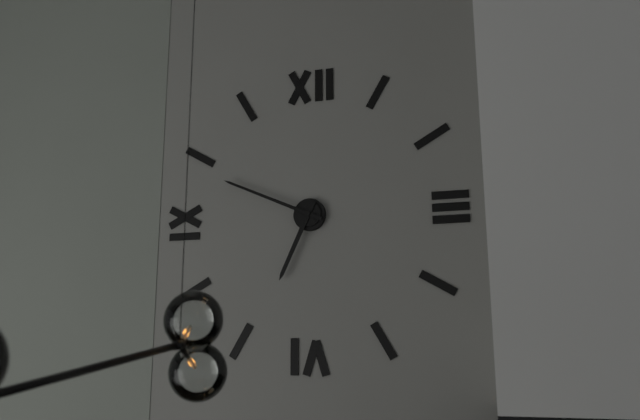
6:49
